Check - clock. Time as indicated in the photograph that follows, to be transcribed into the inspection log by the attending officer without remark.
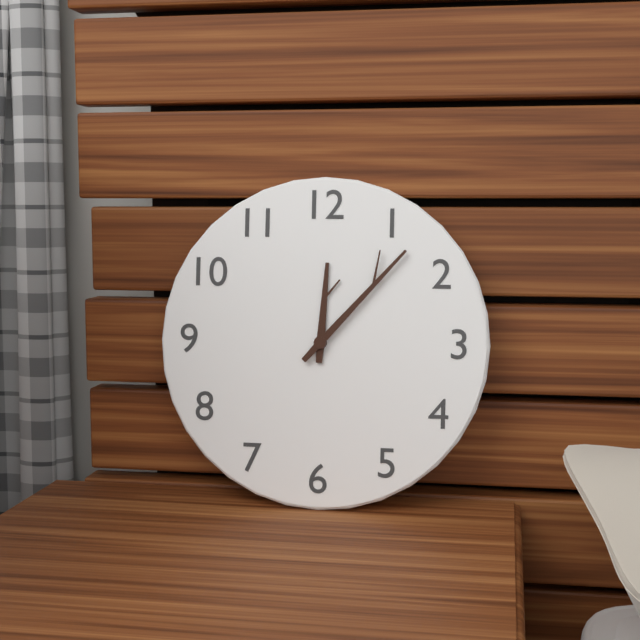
12:07
